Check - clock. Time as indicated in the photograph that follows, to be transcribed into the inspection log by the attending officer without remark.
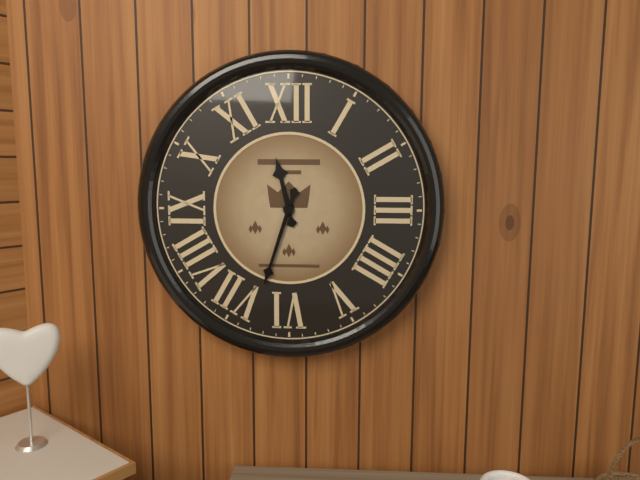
11:33
